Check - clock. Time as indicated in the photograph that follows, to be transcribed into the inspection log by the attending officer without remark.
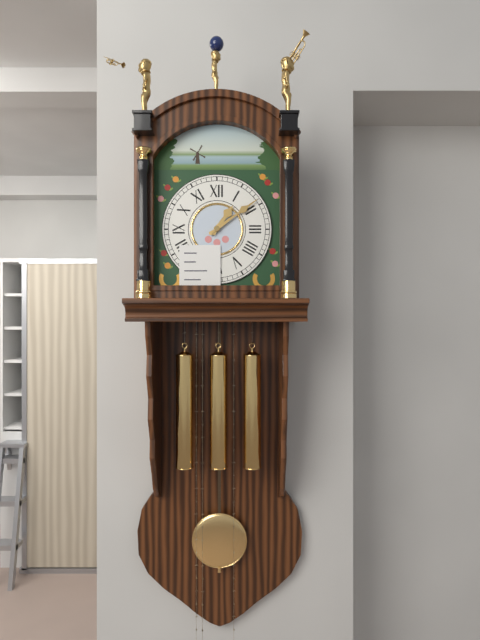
1:09
